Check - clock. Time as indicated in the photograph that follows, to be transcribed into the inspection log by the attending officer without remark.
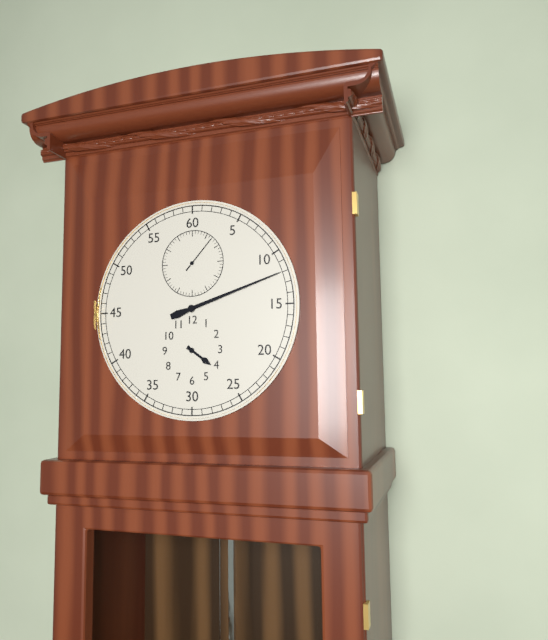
4:12
